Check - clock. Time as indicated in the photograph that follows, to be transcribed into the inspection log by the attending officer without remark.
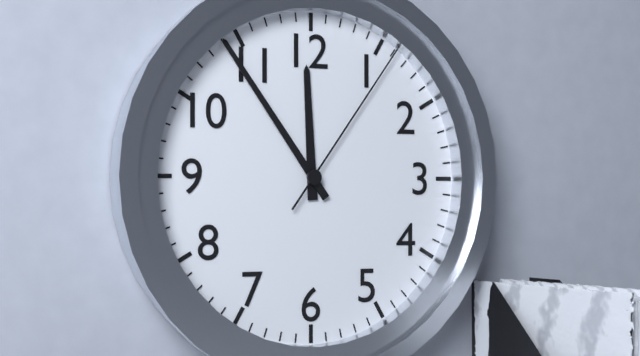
11:54:06
